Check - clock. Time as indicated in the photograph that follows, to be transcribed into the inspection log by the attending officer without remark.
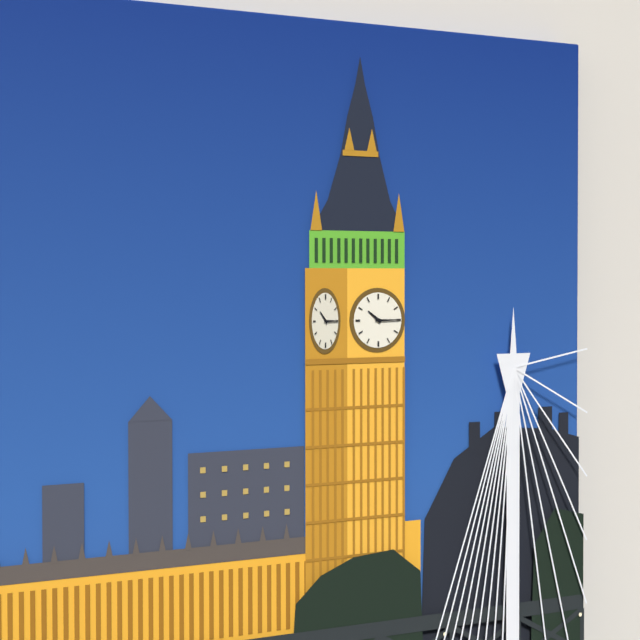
10:15
